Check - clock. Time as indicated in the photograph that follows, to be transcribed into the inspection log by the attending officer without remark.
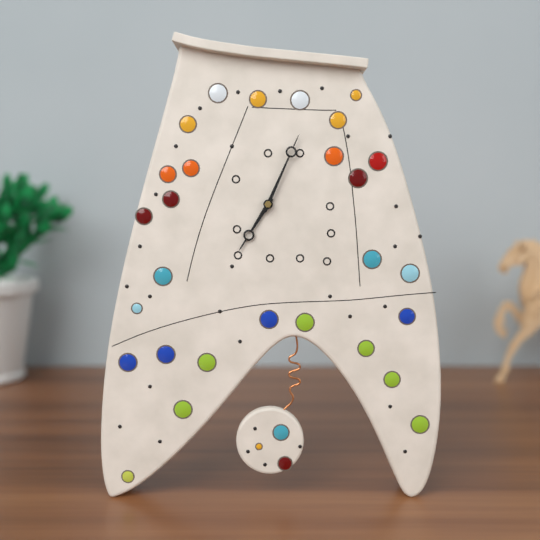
7:04
